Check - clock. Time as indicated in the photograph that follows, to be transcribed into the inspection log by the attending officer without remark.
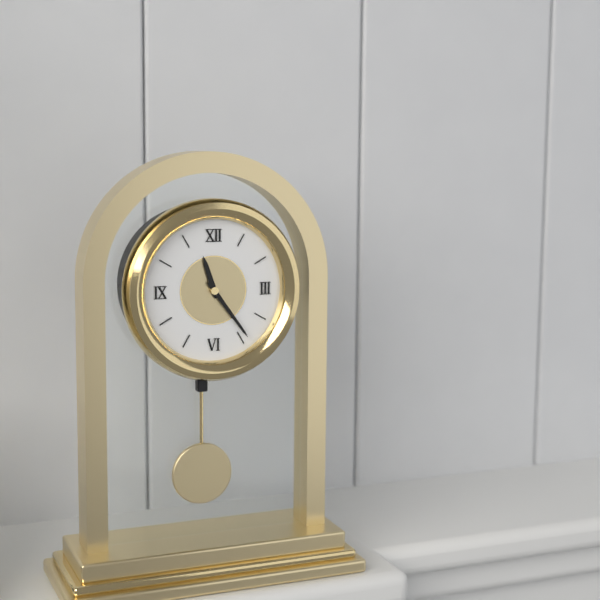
11:24
